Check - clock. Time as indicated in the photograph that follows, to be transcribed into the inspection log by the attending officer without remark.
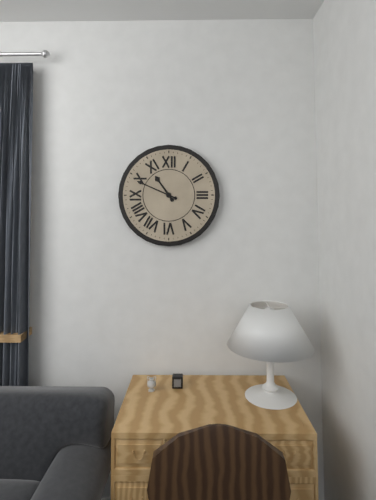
10:49
